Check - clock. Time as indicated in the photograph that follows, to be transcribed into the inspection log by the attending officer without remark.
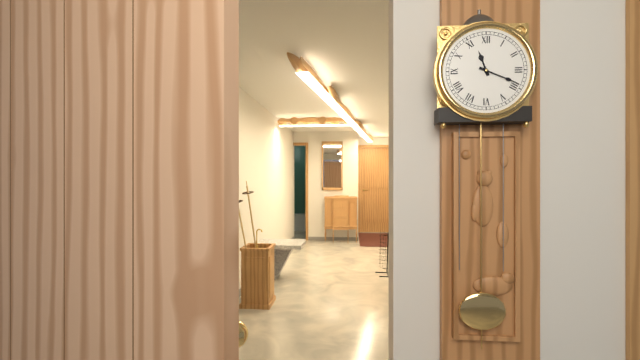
11:19
